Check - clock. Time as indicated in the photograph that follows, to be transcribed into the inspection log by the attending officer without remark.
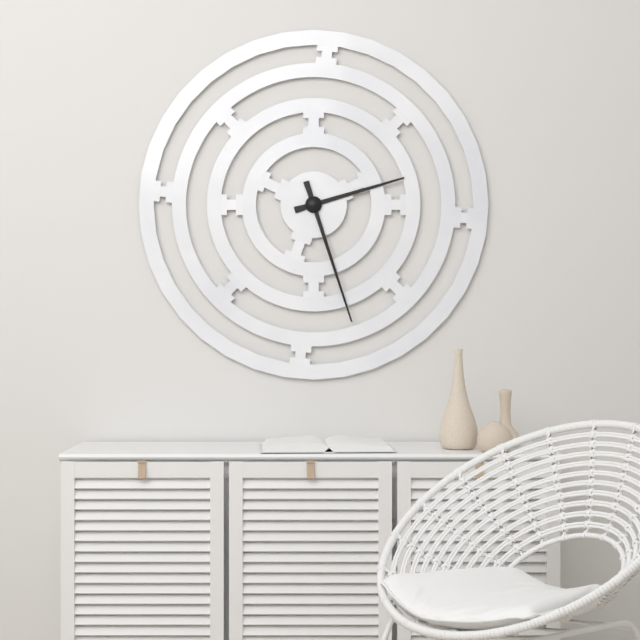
2:27
